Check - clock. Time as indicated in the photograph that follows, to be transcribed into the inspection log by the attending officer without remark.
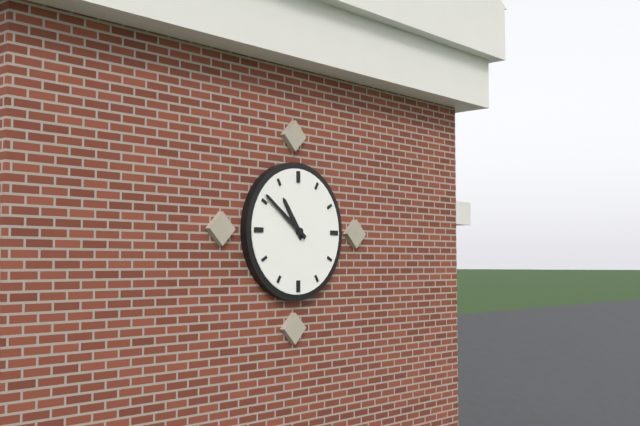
10:51
